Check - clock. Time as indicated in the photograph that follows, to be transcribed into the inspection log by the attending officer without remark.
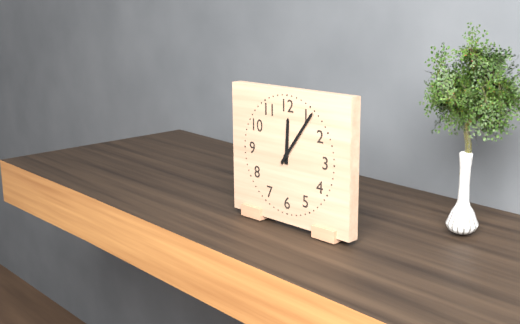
12:06
